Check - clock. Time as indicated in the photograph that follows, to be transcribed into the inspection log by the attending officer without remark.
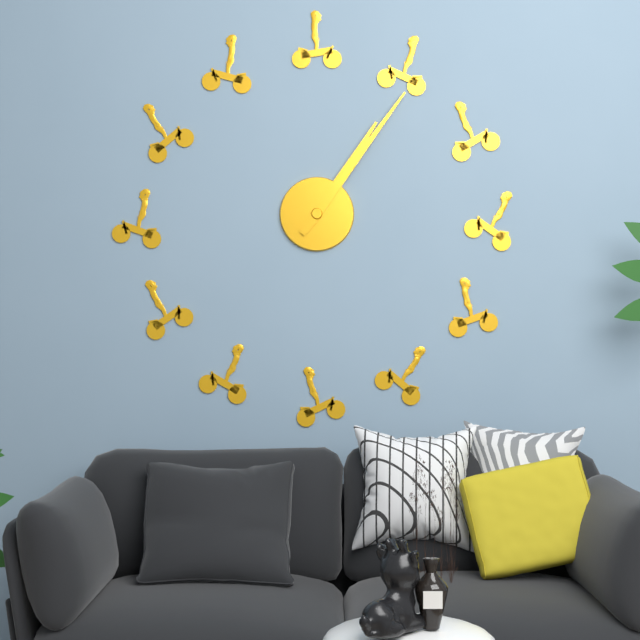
1:06
